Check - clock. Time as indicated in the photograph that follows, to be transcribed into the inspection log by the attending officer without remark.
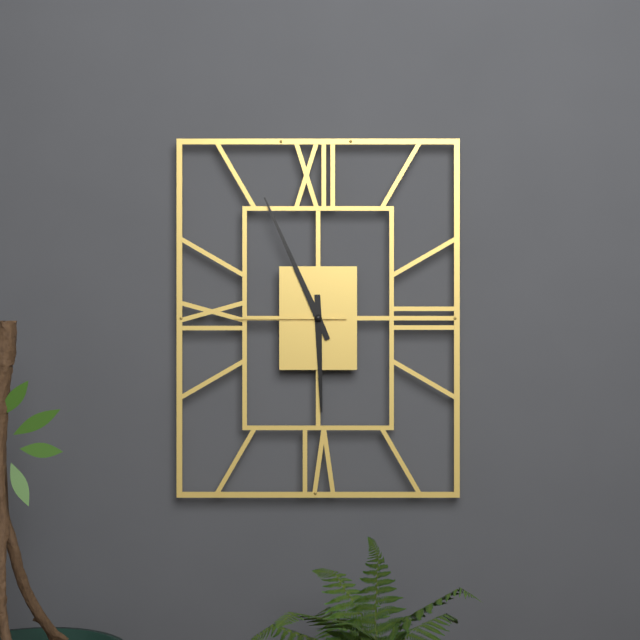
5:56:45
